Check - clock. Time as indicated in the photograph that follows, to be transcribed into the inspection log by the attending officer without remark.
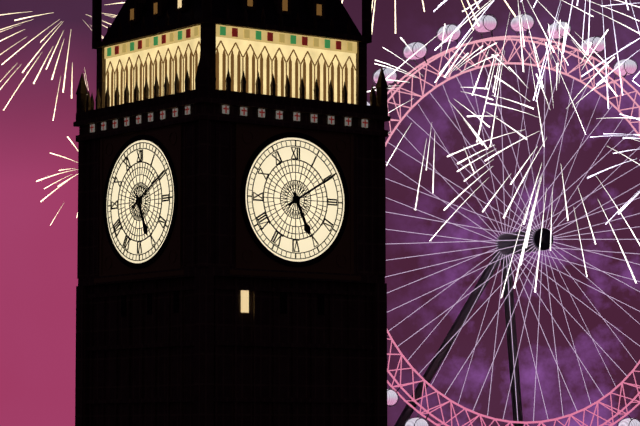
5:10
